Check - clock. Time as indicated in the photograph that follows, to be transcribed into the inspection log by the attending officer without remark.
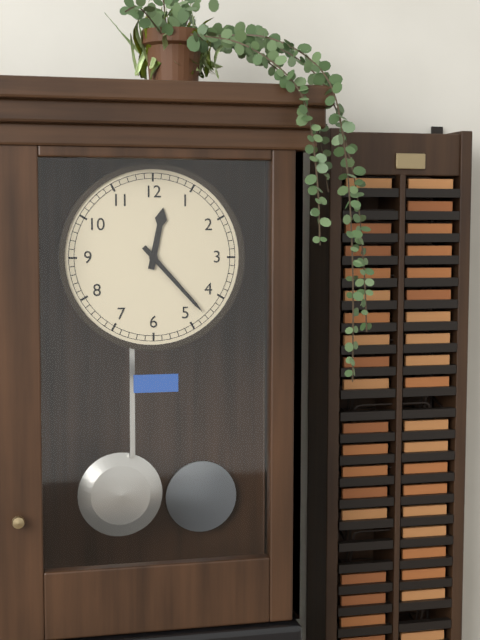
12:23
